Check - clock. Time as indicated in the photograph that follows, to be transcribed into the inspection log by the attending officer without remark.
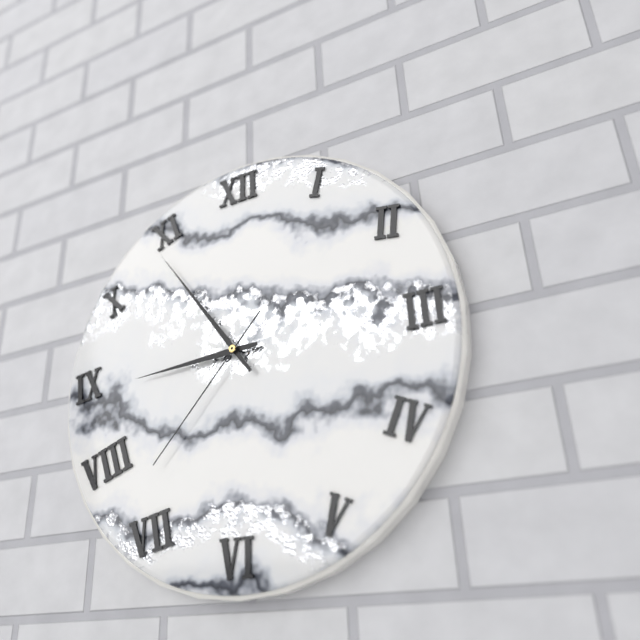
8:54:37
